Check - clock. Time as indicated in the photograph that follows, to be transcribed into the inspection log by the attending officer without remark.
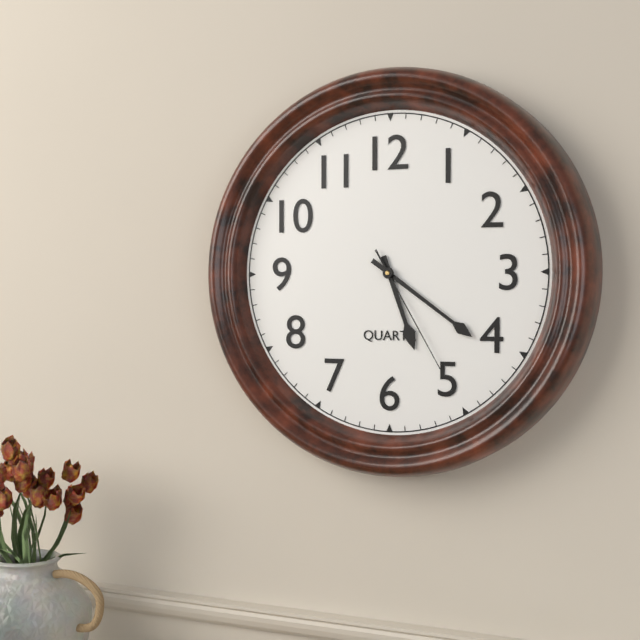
5:21:25
